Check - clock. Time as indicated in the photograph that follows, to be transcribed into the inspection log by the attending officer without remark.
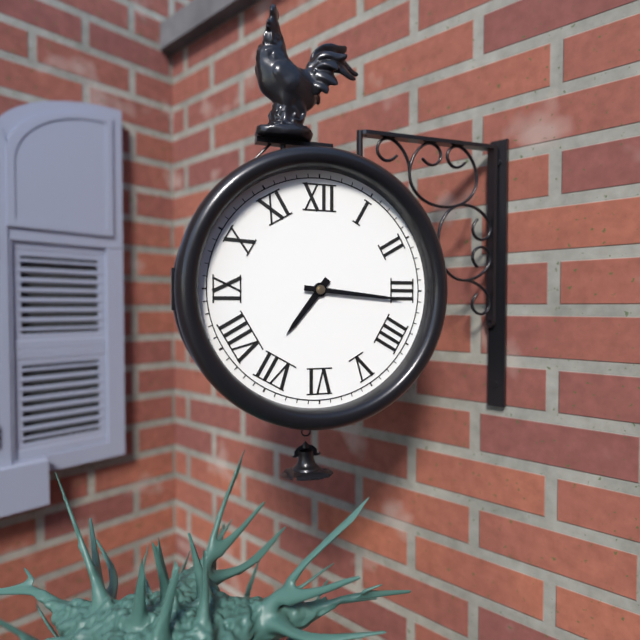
7:16
